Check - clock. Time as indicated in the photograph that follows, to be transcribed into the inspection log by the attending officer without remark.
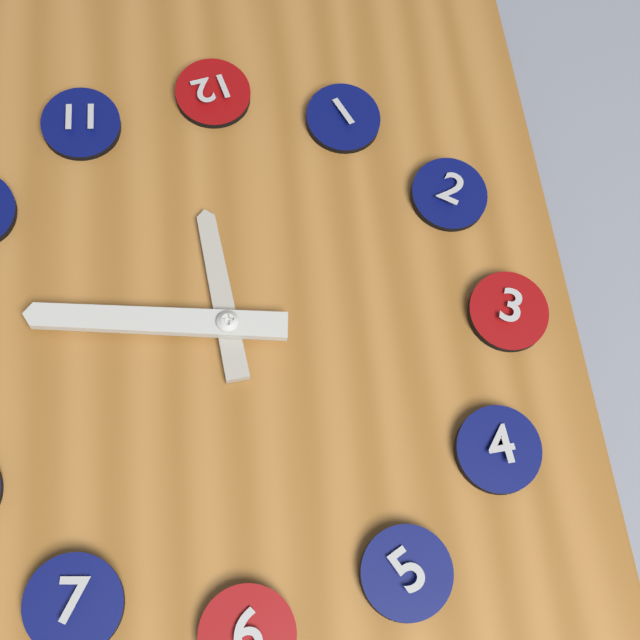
11:46
